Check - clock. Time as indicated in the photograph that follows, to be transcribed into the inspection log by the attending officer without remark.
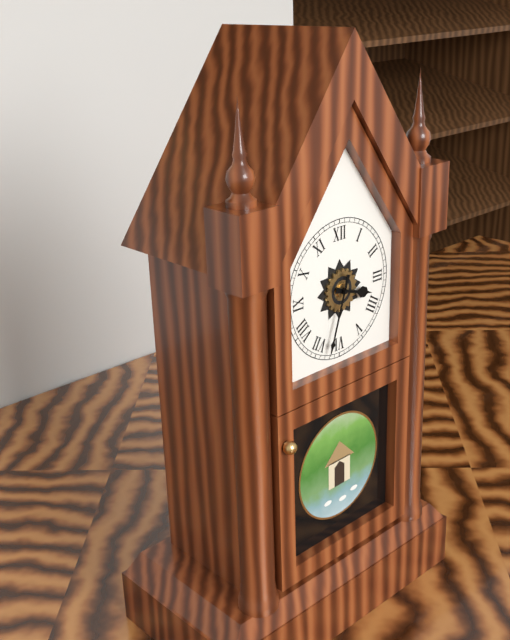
3:33
